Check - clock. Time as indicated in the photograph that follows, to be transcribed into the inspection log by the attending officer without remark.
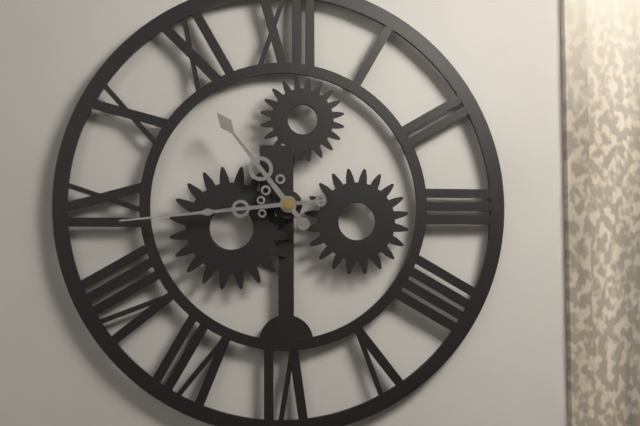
10:44
